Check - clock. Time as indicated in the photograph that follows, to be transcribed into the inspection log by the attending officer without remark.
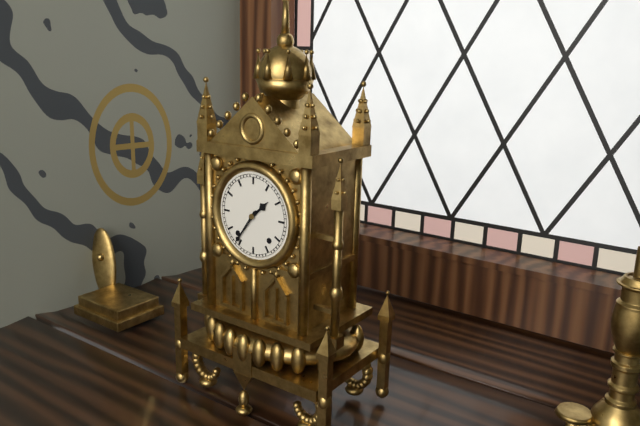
1:36
